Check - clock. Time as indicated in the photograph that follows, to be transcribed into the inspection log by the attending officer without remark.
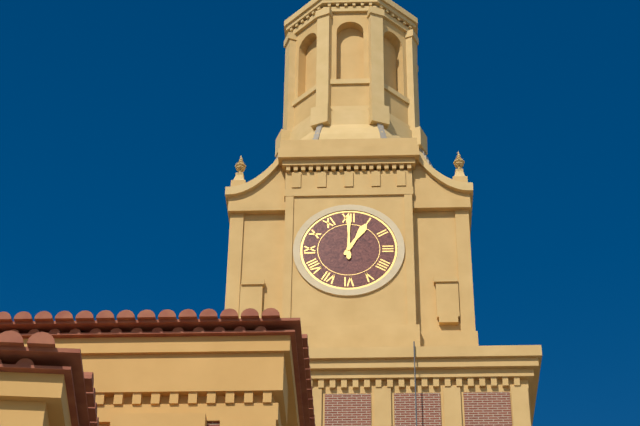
1:00
